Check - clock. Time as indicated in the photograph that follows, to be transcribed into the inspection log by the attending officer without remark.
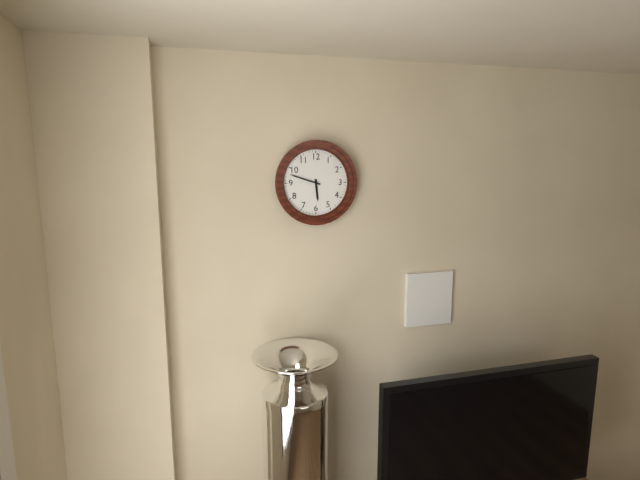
5:48
